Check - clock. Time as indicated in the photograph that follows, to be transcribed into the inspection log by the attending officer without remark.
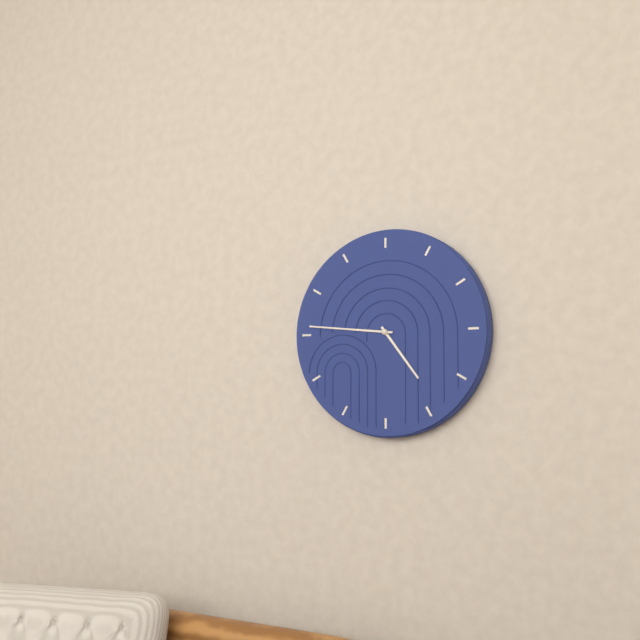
4:46
